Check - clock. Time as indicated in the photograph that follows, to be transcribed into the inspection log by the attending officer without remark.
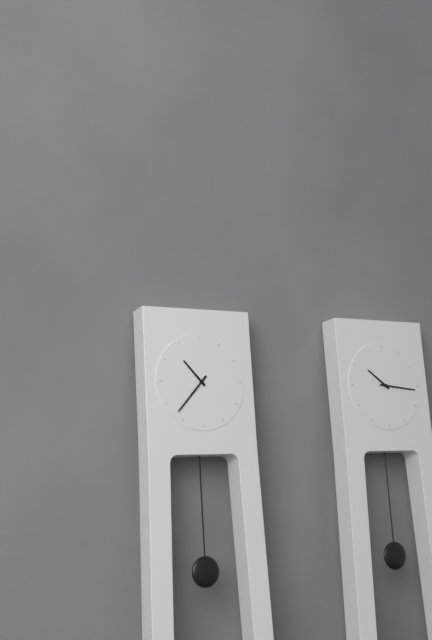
10:37
